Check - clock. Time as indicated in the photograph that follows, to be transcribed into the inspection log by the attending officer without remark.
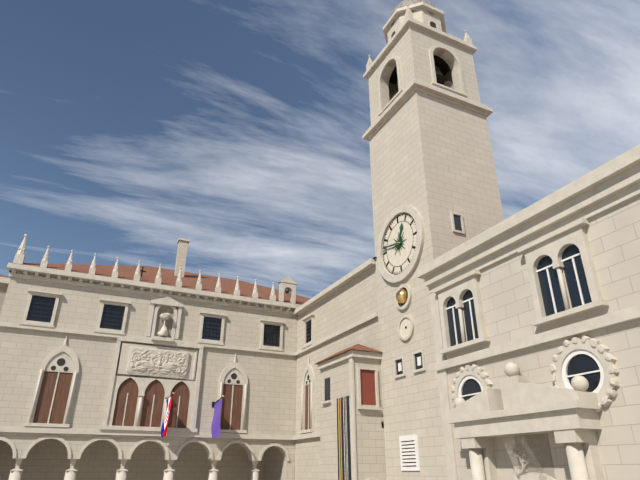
12:47
